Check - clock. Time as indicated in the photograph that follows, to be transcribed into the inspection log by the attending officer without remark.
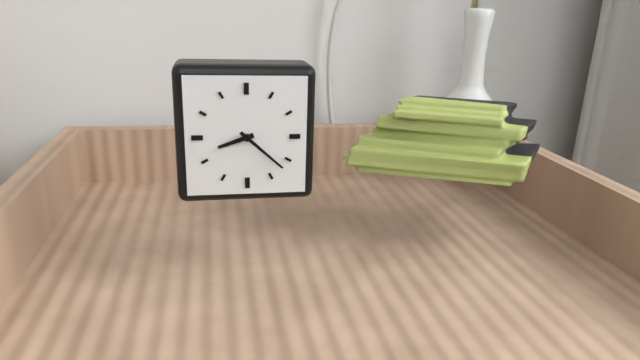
8:22
